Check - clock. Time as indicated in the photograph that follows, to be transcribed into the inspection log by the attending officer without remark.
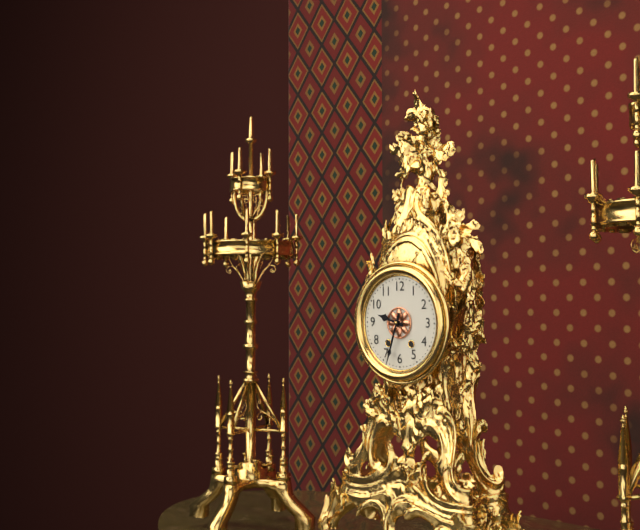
9:33
